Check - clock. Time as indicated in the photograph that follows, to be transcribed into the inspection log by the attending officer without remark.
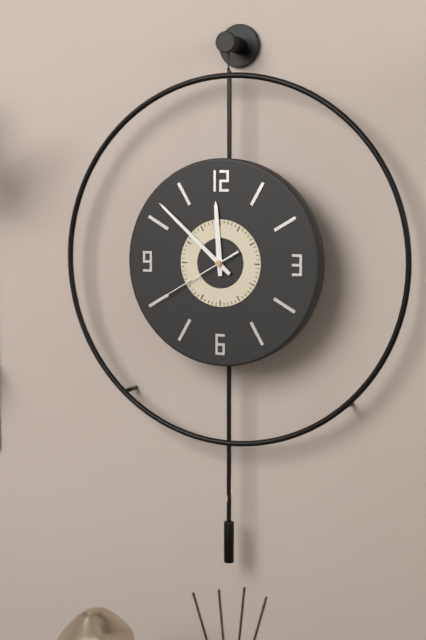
11:52:40
